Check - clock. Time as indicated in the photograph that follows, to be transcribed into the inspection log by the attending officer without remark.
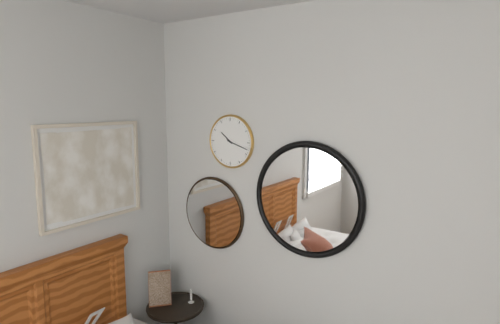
10:18
